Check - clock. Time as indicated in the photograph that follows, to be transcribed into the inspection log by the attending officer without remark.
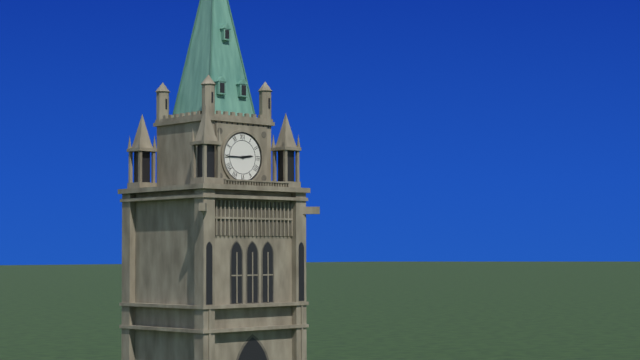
2:45
